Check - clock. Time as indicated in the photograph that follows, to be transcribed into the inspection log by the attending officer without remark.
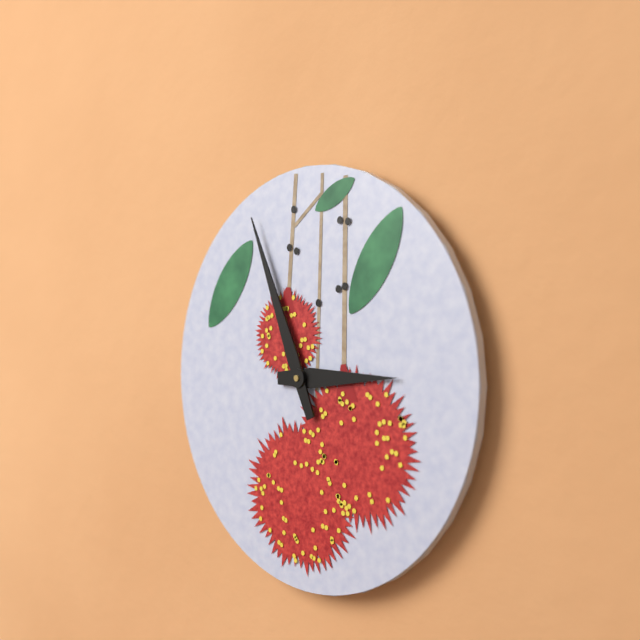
2:56
